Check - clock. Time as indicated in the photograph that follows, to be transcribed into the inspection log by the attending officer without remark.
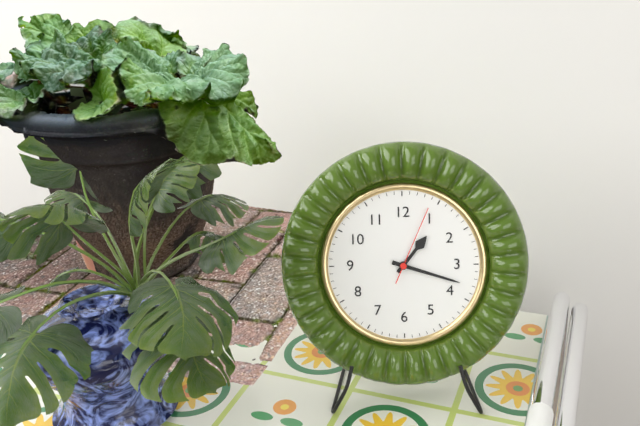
1:18:04
